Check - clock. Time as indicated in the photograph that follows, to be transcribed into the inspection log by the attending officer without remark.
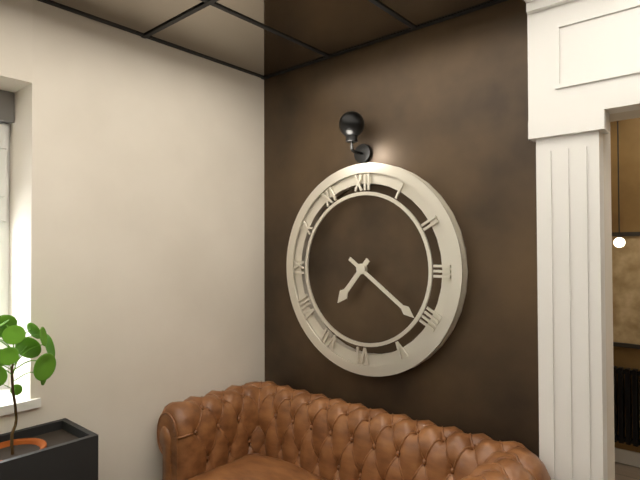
7:21
